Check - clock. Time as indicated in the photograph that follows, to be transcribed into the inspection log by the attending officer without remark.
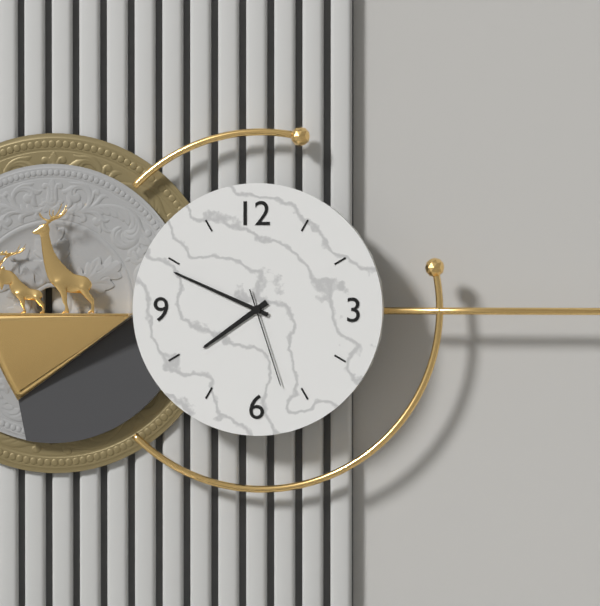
7:49:27
